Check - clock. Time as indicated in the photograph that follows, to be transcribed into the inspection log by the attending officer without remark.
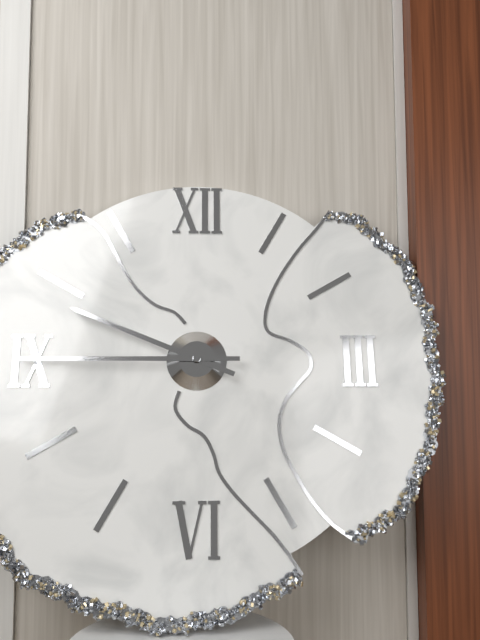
9:45
